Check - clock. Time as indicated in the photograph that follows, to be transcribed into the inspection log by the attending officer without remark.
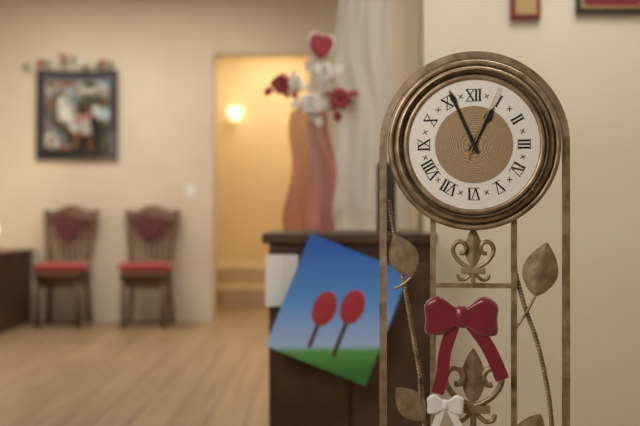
12:56:04
